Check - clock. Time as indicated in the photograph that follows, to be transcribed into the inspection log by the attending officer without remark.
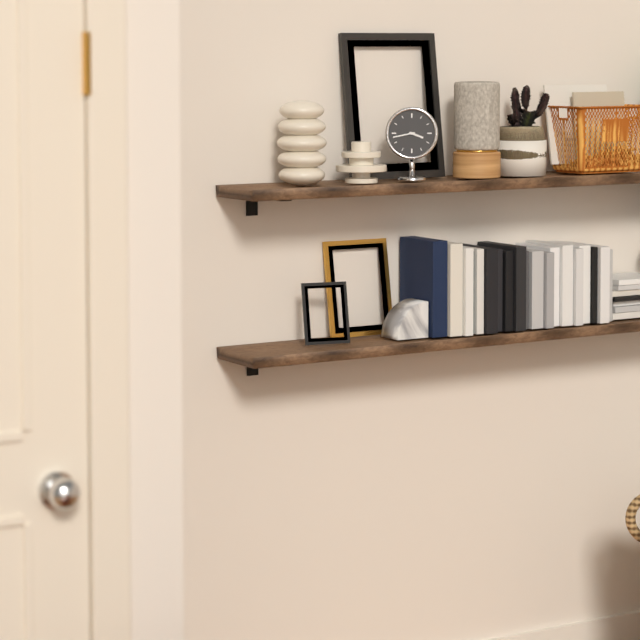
3:43
